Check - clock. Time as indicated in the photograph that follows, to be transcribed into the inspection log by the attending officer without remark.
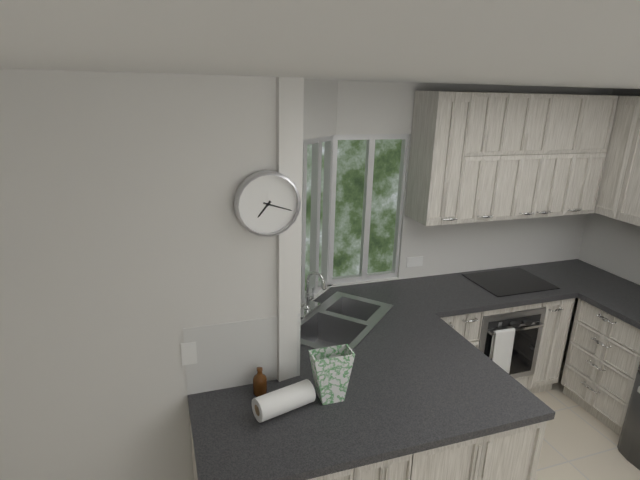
7:18
